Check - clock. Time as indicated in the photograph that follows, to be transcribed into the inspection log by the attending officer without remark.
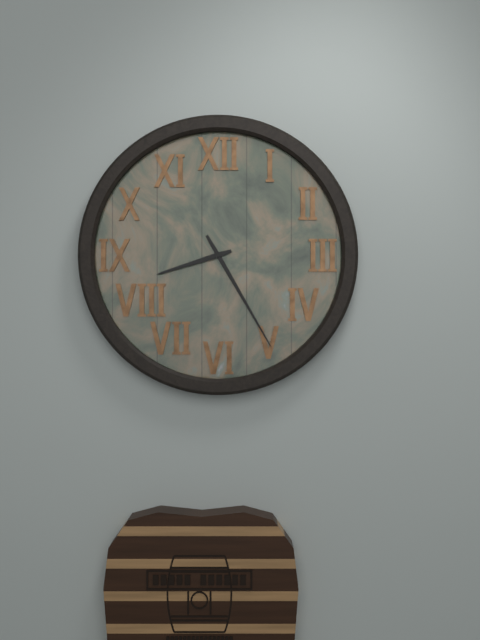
8:25
